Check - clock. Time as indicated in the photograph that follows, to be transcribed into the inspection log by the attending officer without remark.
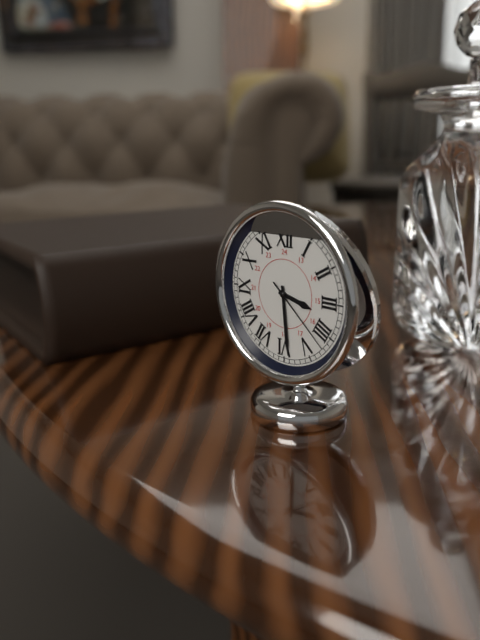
3:29:22
